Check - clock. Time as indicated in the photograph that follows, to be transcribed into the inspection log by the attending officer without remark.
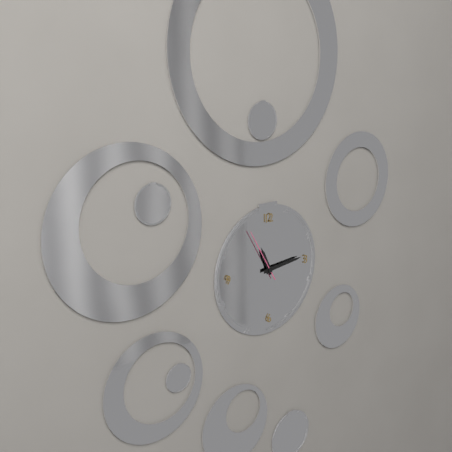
11:14:55
